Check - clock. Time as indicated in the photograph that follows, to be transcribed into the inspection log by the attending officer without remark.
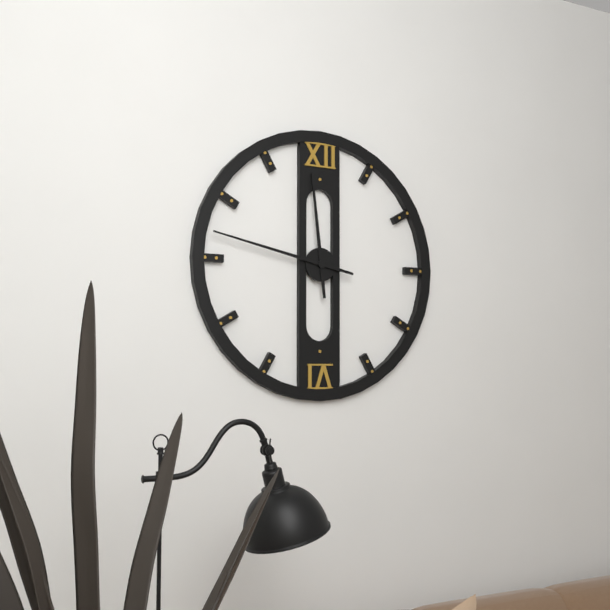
11:47
